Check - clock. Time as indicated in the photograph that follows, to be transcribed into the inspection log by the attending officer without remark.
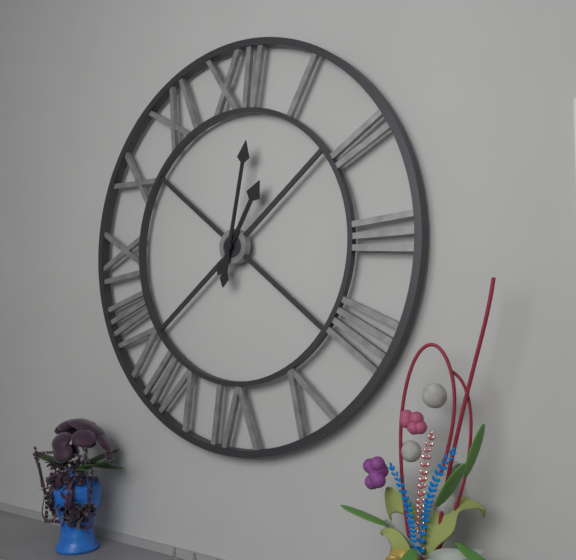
1:02
